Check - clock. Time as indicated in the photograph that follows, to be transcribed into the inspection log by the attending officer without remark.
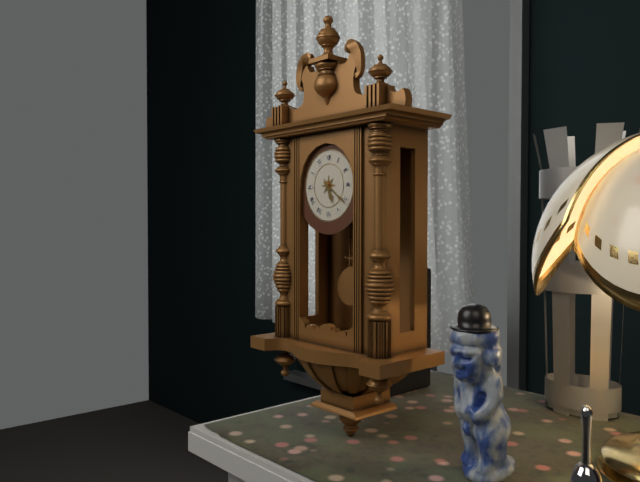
5:21
